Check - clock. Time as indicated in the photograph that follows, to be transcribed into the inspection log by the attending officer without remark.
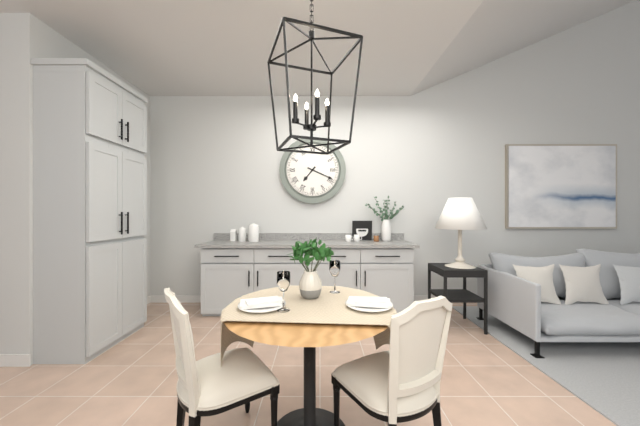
7:19
